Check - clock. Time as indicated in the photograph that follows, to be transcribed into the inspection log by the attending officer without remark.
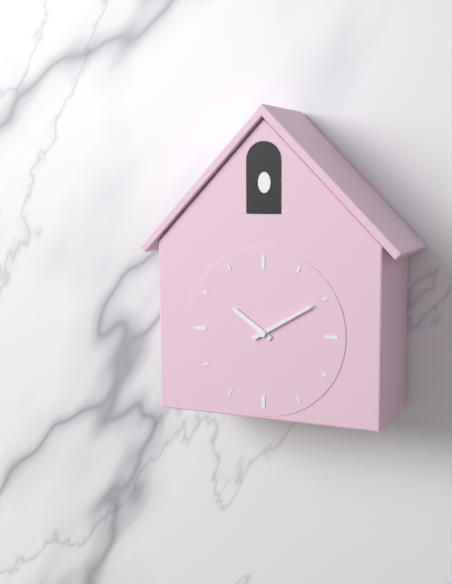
10:10
